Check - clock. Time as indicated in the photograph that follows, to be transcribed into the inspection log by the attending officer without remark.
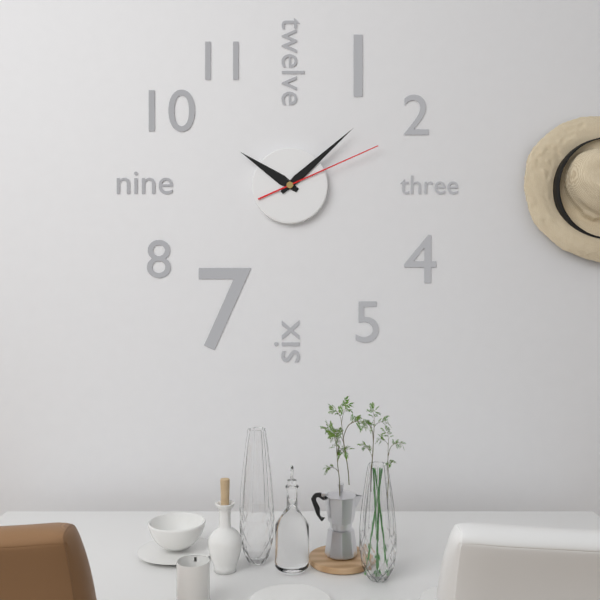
10:08:11
